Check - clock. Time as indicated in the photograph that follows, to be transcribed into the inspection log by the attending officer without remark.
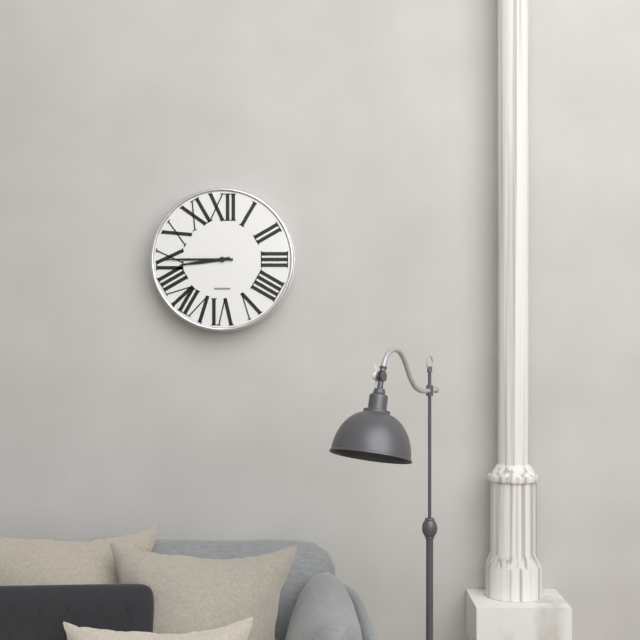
8:45
